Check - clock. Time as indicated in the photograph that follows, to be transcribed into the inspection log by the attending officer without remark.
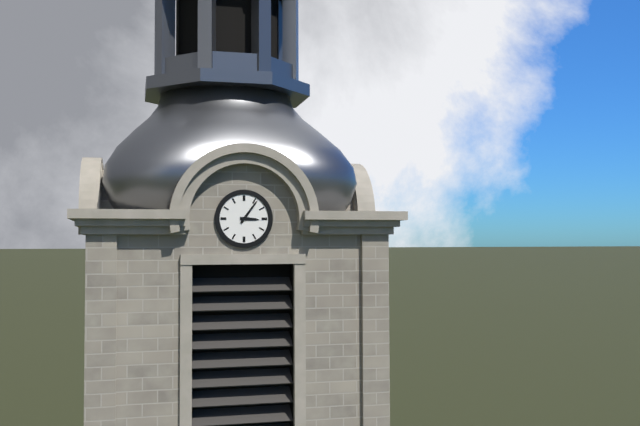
3:06
